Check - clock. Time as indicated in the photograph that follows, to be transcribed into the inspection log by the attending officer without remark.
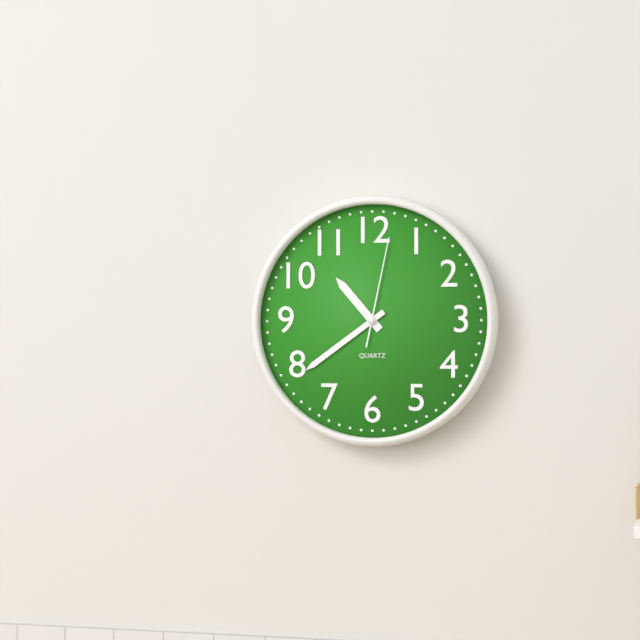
10:39:02
